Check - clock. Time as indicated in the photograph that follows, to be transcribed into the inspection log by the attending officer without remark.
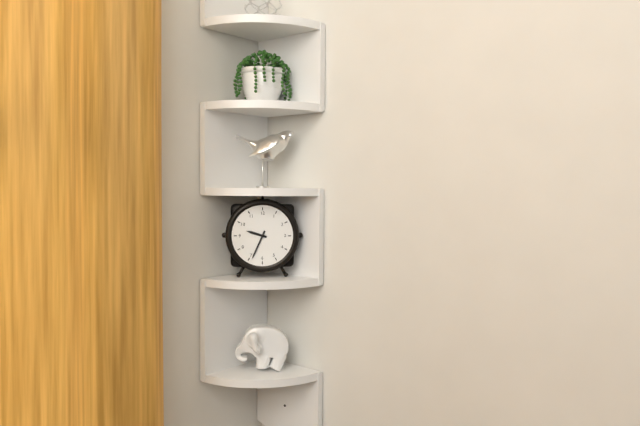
9:34
